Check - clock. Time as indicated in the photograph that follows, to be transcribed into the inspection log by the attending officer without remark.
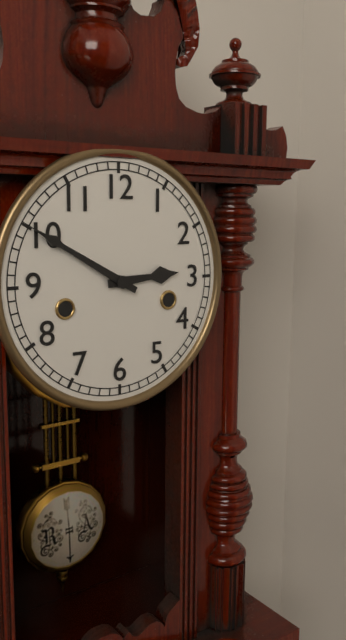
2:50
